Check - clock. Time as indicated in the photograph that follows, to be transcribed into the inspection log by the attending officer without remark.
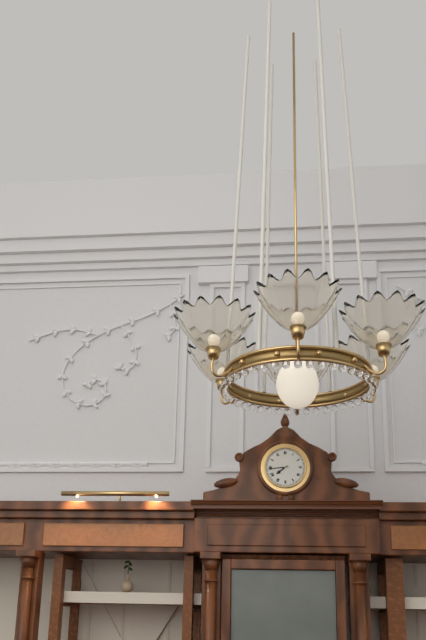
7:44
